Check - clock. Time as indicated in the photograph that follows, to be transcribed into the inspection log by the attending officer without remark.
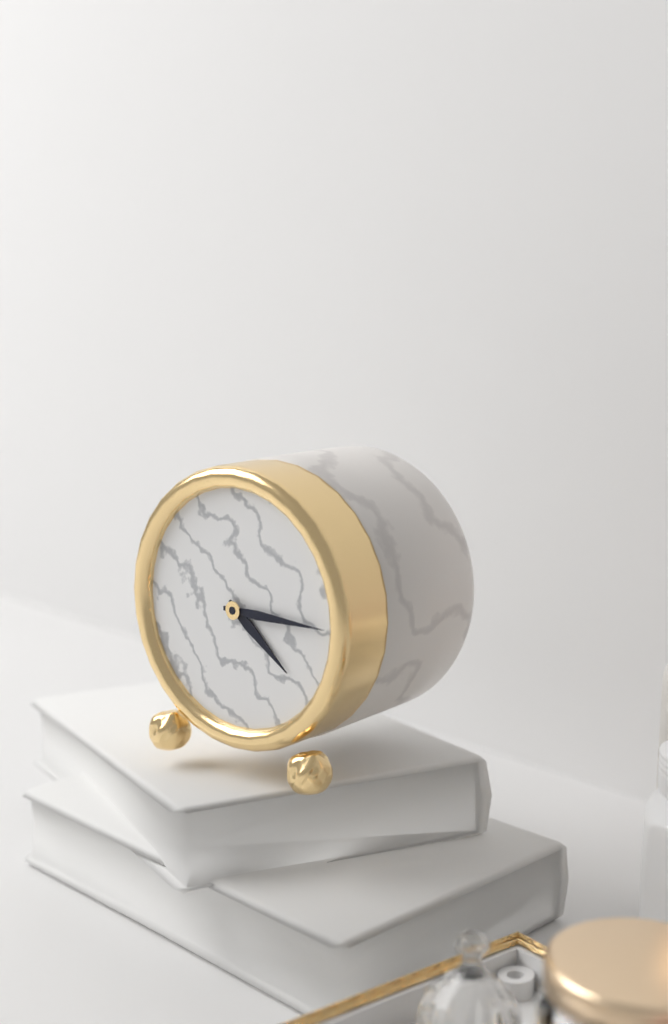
4:15
